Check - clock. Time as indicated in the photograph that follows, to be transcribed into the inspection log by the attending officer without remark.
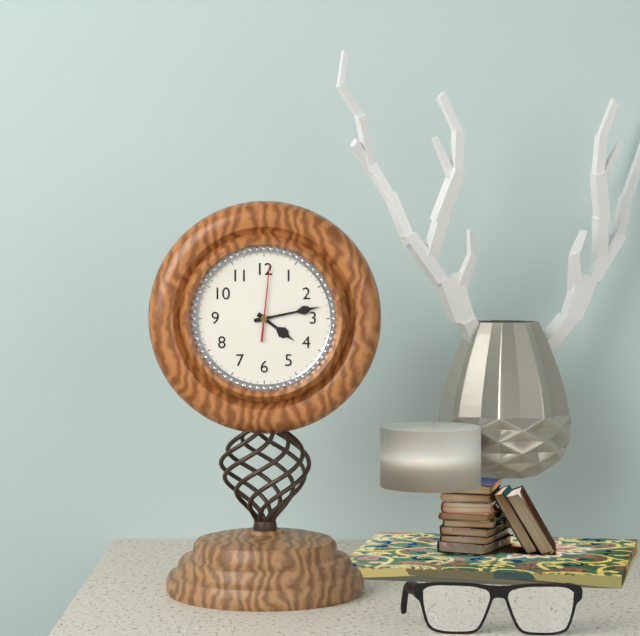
4:13:01
